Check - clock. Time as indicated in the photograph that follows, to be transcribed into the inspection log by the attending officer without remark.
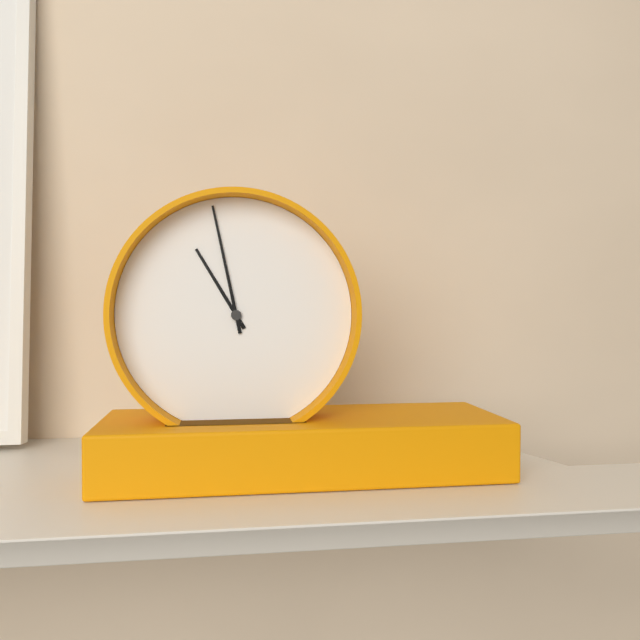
10:58
